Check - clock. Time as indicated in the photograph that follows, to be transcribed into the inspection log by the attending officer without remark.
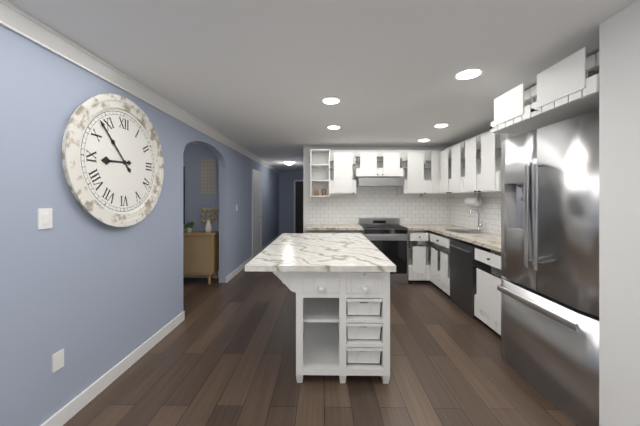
8:53
